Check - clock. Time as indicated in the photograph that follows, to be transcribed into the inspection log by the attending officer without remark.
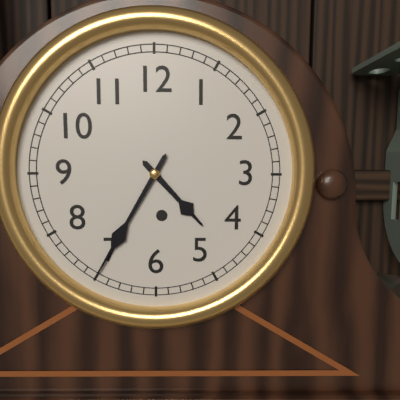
4:35
